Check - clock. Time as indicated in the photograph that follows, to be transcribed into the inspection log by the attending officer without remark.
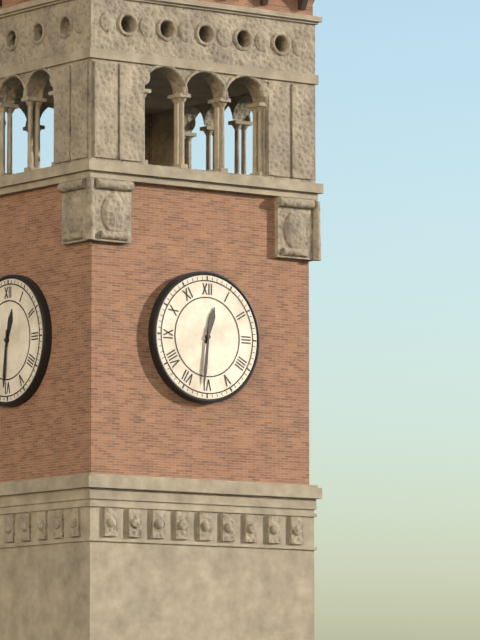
12:31
